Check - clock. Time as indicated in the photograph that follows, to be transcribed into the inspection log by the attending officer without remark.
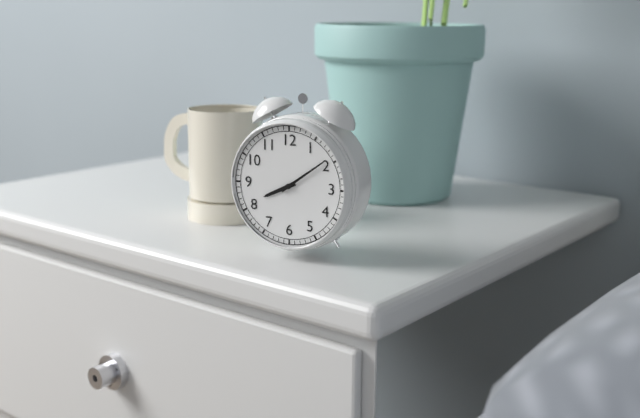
8:09
